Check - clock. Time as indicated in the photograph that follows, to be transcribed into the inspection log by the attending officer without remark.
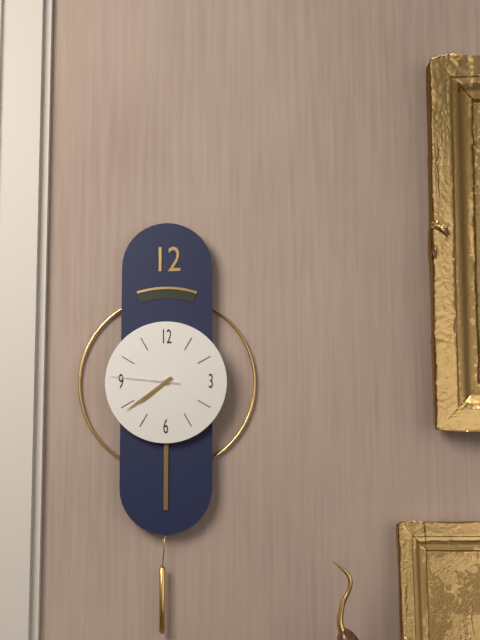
7:39:46
